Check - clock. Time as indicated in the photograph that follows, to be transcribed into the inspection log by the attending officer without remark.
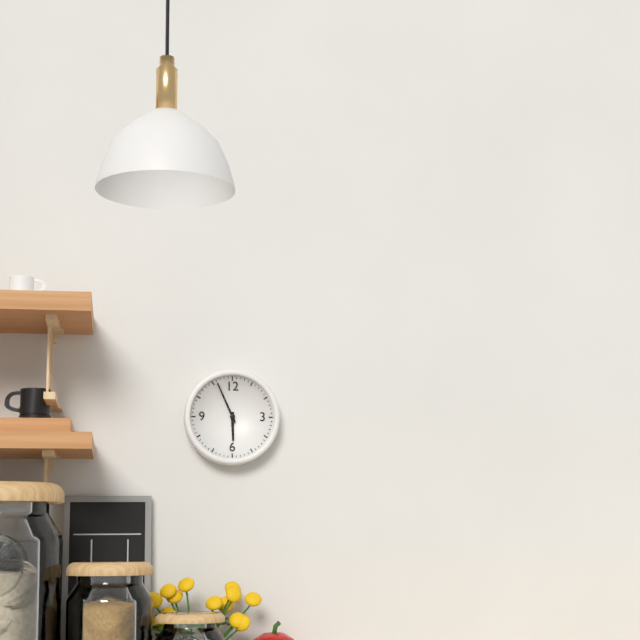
5:56
